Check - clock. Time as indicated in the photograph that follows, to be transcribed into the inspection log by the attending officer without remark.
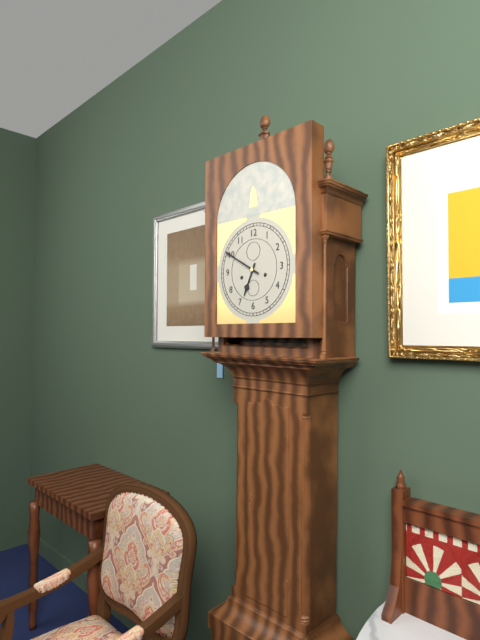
6:50
